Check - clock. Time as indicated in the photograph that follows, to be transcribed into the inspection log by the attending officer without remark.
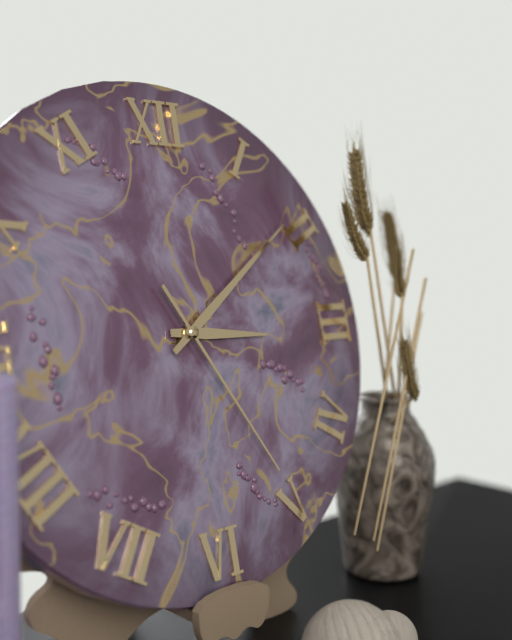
3:09:25
